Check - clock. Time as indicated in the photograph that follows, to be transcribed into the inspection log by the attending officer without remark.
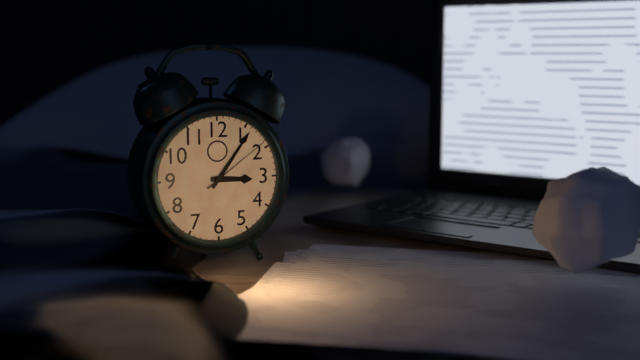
3:06:09
